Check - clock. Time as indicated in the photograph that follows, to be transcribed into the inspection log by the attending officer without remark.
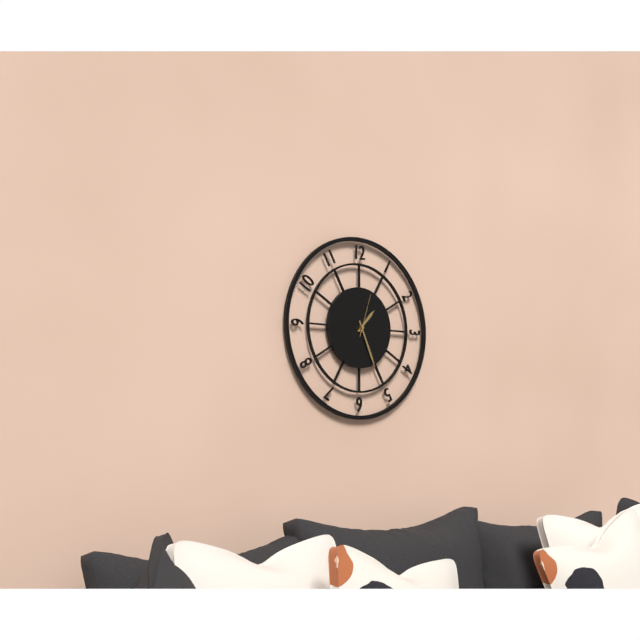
1:26
